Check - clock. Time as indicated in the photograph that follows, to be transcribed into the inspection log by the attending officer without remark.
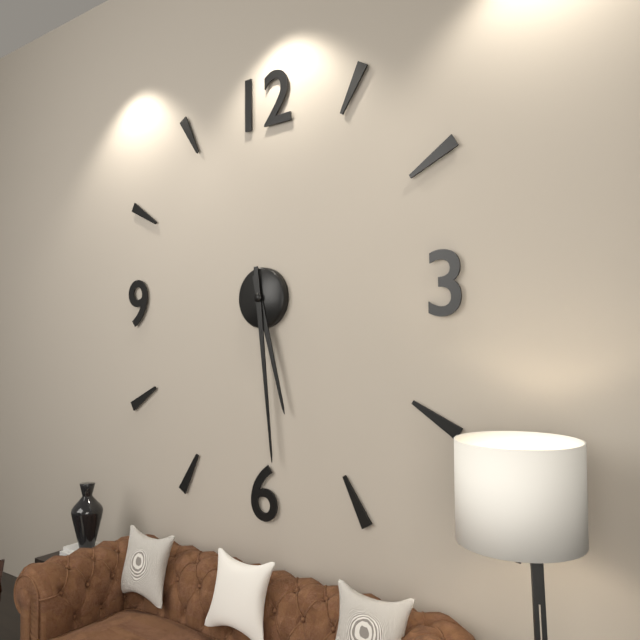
5:29
